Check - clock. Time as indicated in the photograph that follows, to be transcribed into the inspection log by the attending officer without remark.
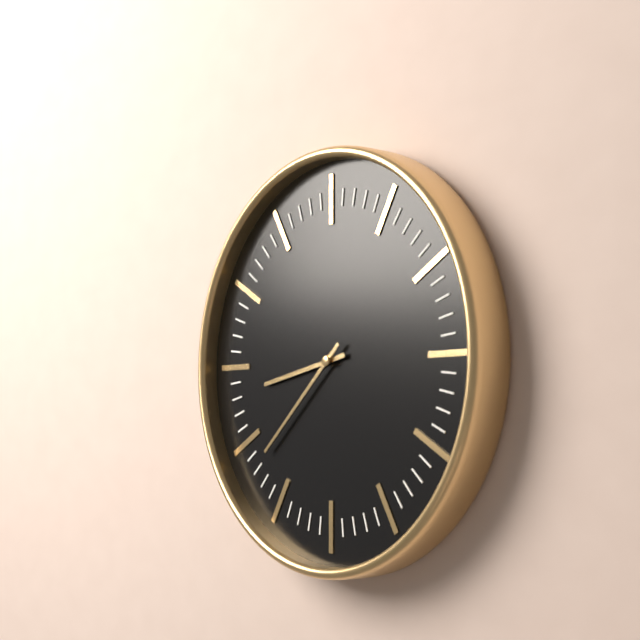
8:38
